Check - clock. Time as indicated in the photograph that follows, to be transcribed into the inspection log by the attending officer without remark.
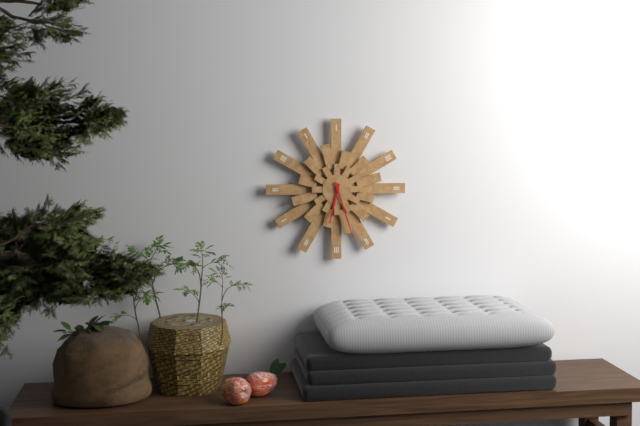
6:27
